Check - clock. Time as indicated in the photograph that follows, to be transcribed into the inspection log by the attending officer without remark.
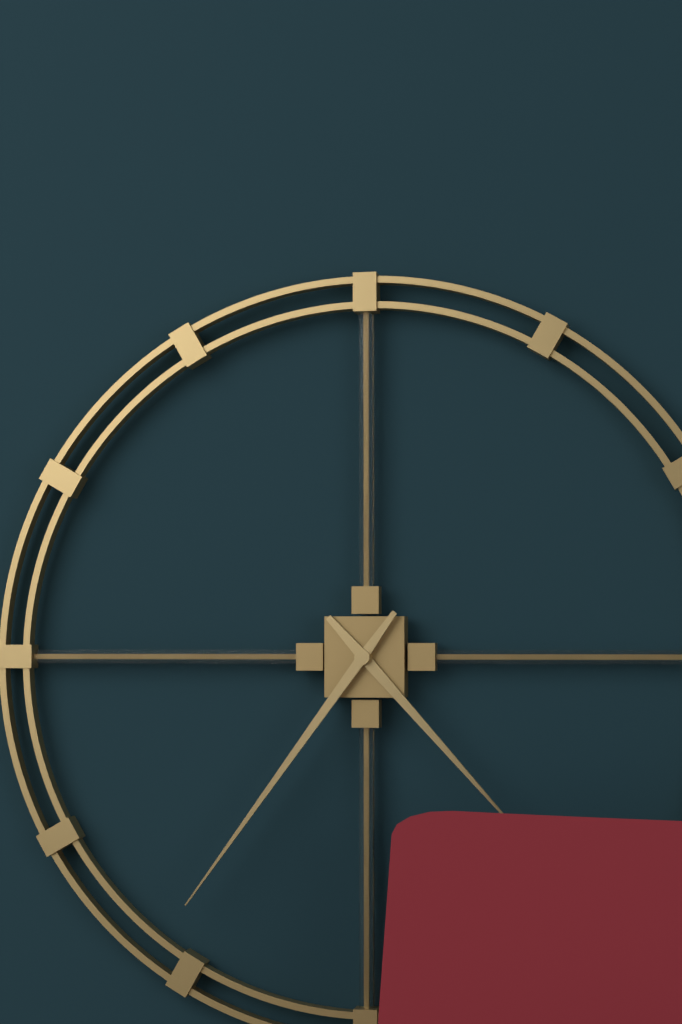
4:36
